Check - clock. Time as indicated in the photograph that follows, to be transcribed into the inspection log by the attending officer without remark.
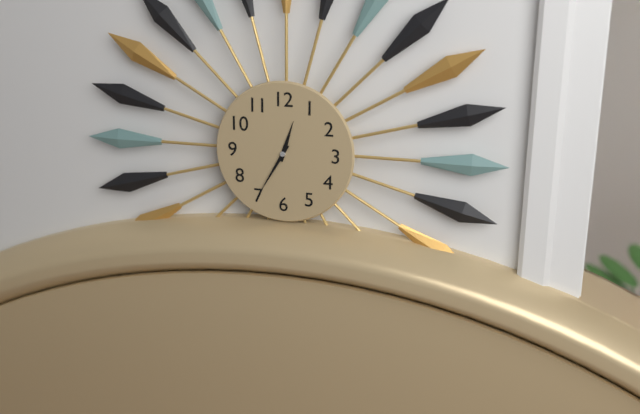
12:35
